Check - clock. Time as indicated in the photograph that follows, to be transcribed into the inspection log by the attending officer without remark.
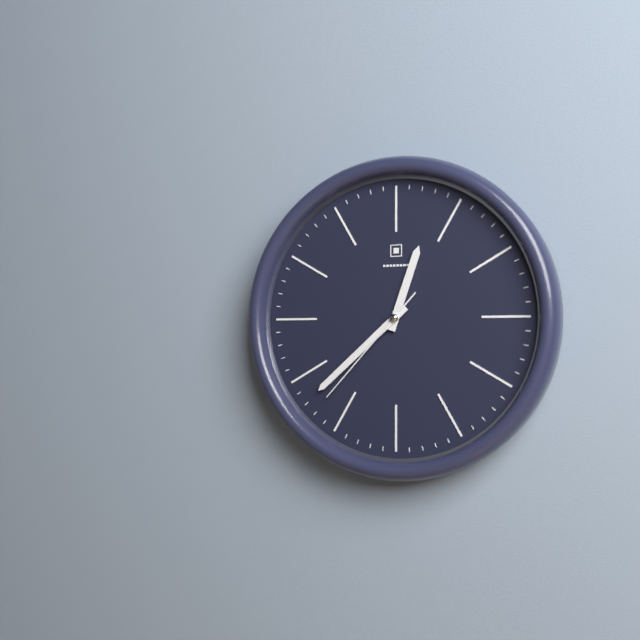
12:38:37
